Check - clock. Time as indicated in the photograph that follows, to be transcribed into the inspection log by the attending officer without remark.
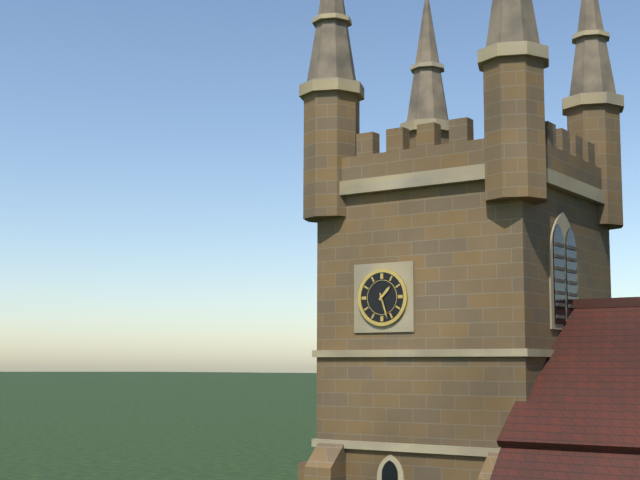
1:27
